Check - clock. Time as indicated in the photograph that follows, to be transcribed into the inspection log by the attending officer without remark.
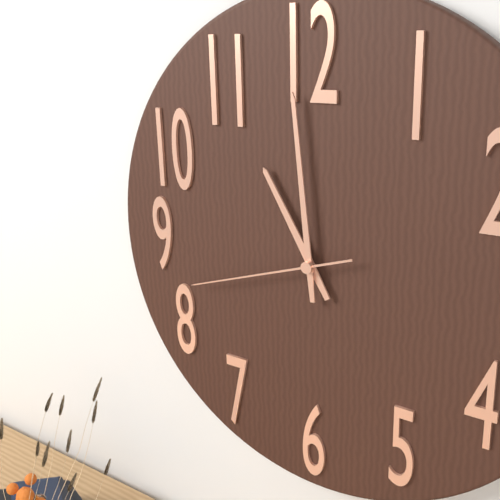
10:59:42
